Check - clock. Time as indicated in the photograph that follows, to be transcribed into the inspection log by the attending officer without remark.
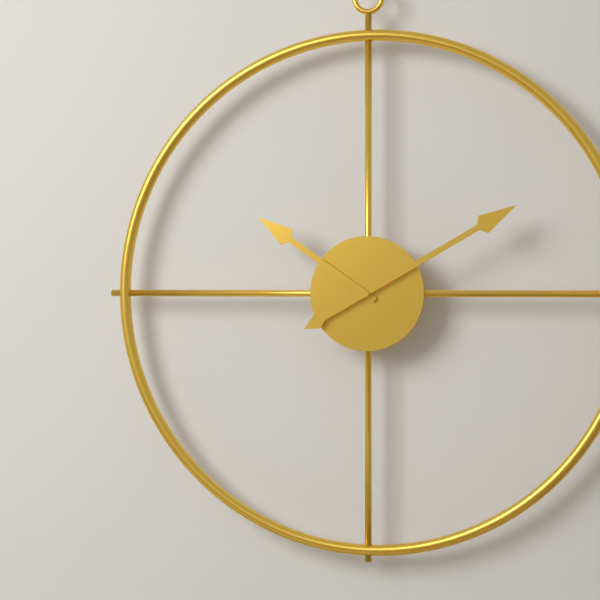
10:10
